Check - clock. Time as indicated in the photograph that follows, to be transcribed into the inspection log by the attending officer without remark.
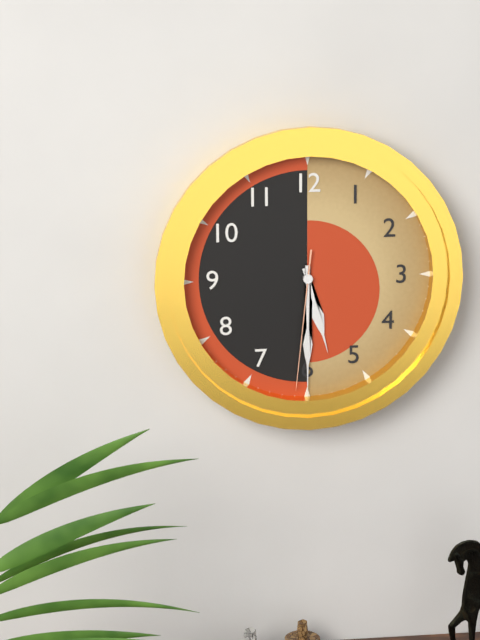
5:30:31
